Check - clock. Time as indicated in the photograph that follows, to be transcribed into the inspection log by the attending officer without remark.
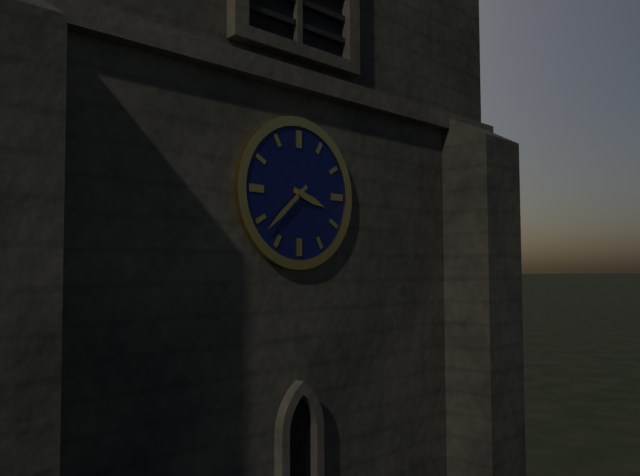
3:38
